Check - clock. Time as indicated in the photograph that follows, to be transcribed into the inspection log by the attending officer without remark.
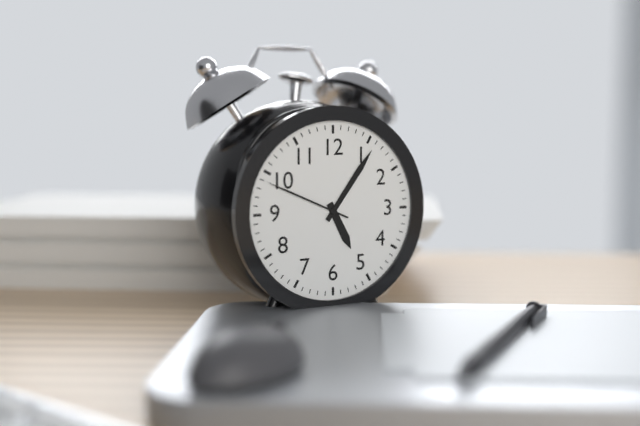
5:06:49
